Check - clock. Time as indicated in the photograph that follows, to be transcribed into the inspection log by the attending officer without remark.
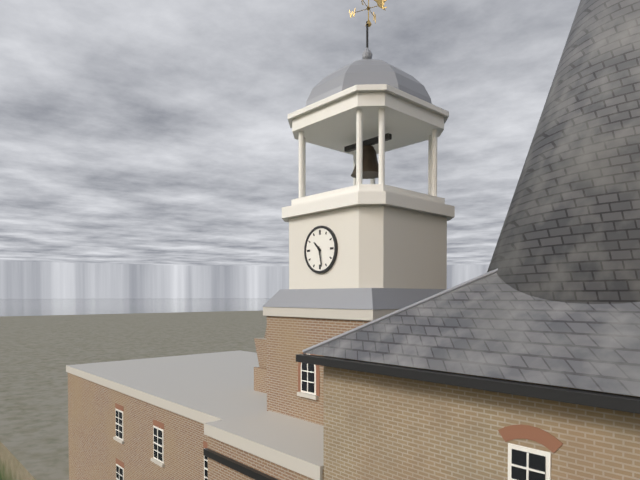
10:28
